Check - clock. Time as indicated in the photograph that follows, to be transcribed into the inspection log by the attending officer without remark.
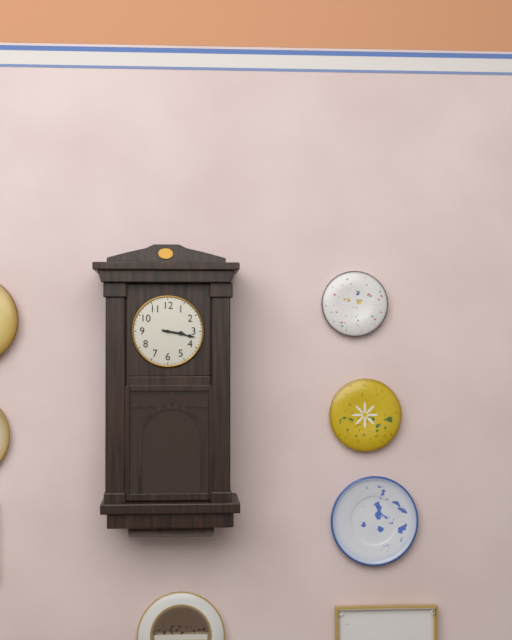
3:17
